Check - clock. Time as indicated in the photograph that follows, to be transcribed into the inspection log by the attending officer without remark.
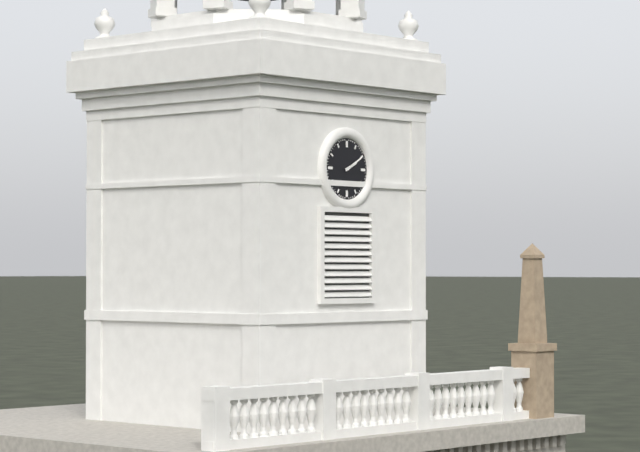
2:10
